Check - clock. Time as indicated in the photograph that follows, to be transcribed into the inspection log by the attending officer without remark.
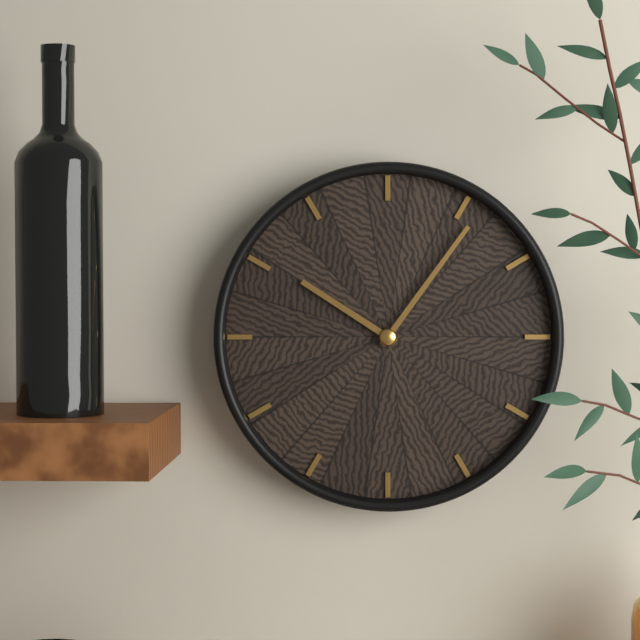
10:06
